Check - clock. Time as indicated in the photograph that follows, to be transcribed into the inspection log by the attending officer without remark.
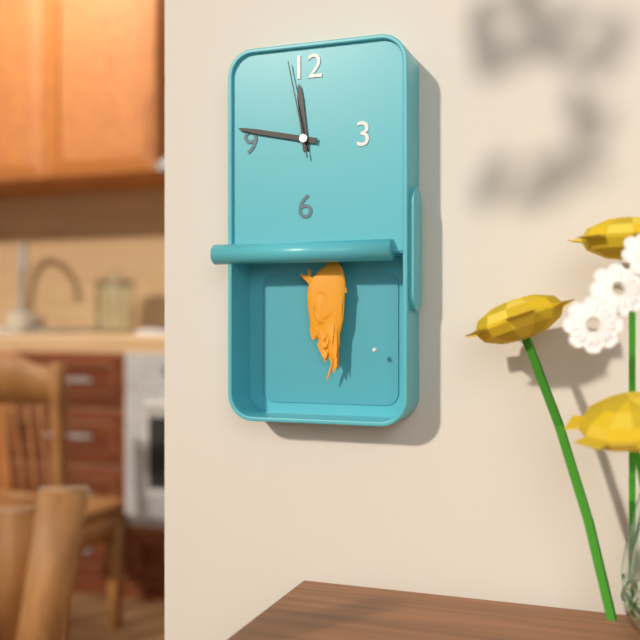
11:47:58
